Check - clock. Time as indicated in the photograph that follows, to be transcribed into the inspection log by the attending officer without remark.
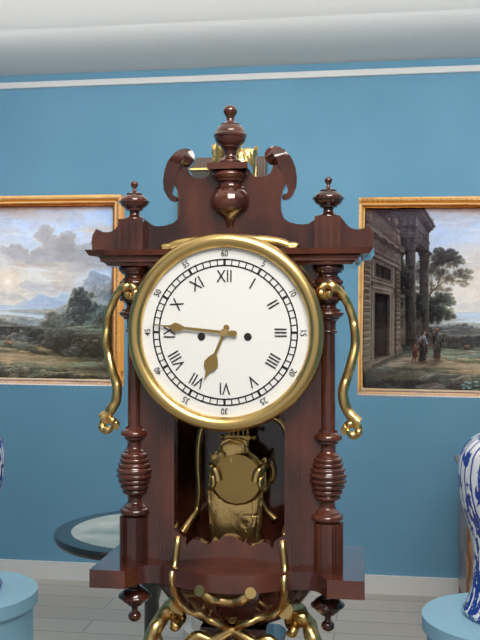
6:46
